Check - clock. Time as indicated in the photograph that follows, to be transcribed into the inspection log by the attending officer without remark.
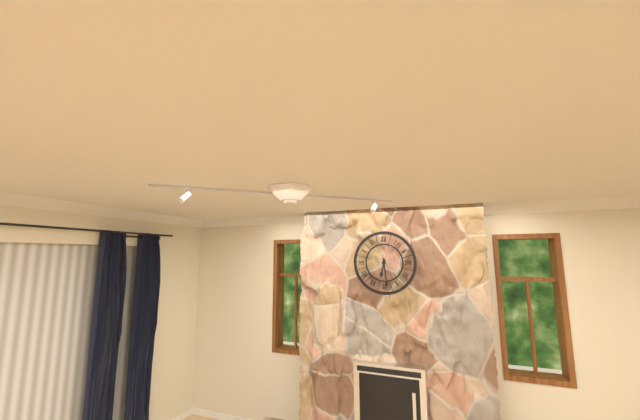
6:29
